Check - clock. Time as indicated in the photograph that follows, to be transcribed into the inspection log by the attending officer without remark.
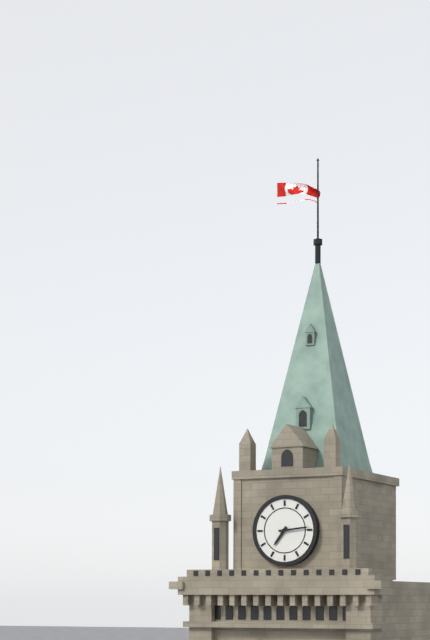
7:14
